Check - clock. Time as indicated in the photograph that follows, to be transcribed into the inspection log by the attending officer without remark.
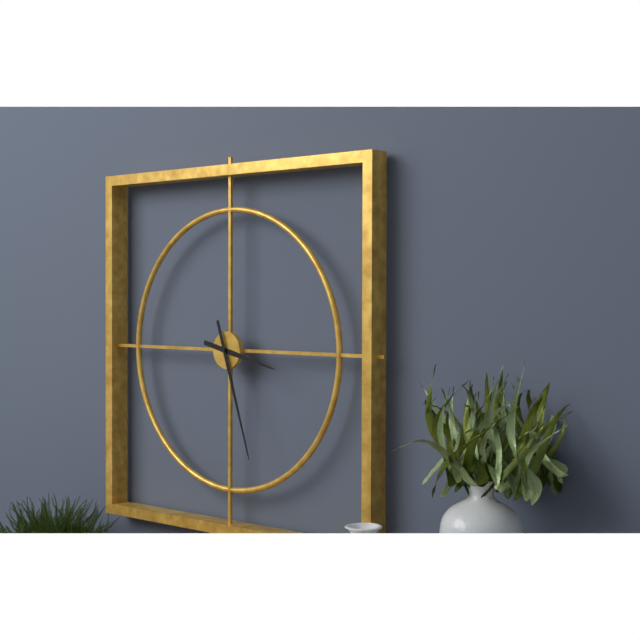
3:27
